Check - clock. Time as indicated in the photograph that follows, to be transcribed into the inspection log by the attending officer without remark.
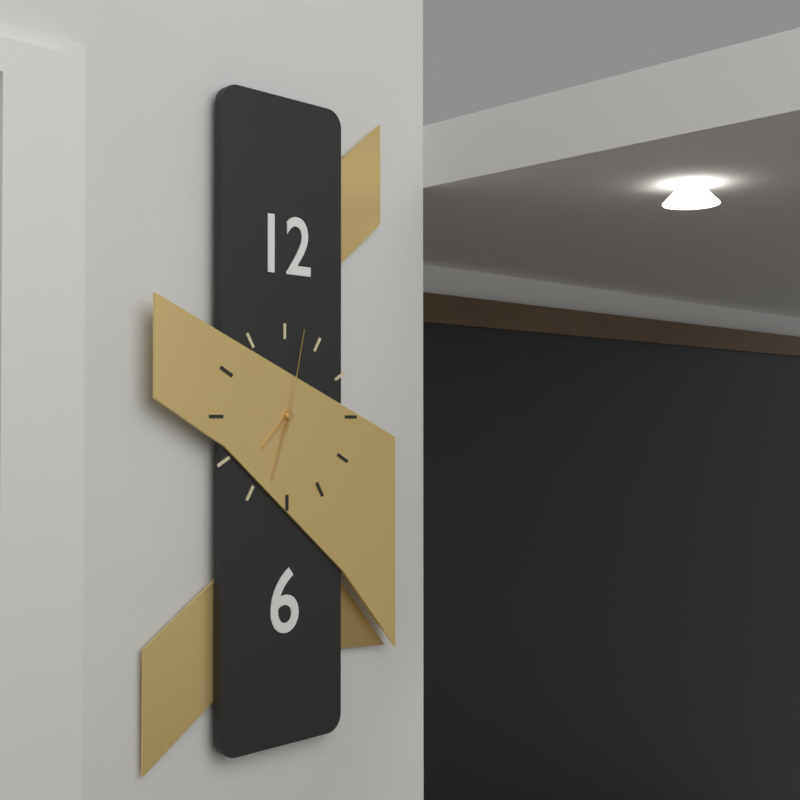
7:33:02
